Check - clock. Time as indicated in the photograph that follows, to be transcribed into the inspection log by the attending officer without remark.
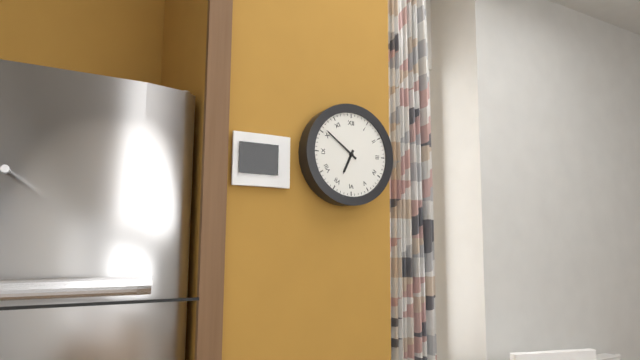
6:51
